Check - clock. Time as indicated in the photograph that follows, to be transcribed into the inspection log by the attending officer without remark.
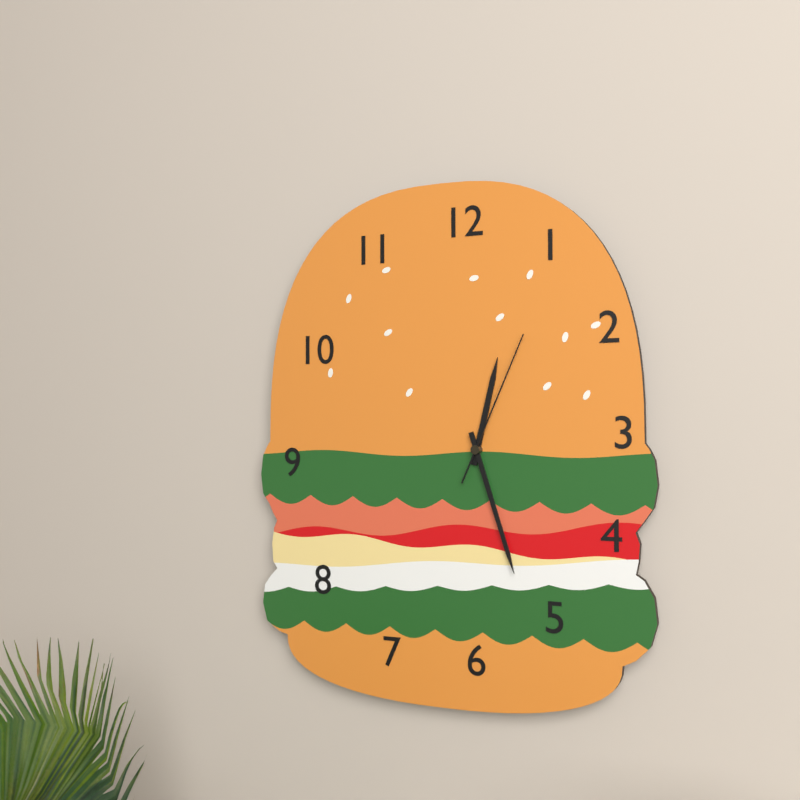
12:27:04
